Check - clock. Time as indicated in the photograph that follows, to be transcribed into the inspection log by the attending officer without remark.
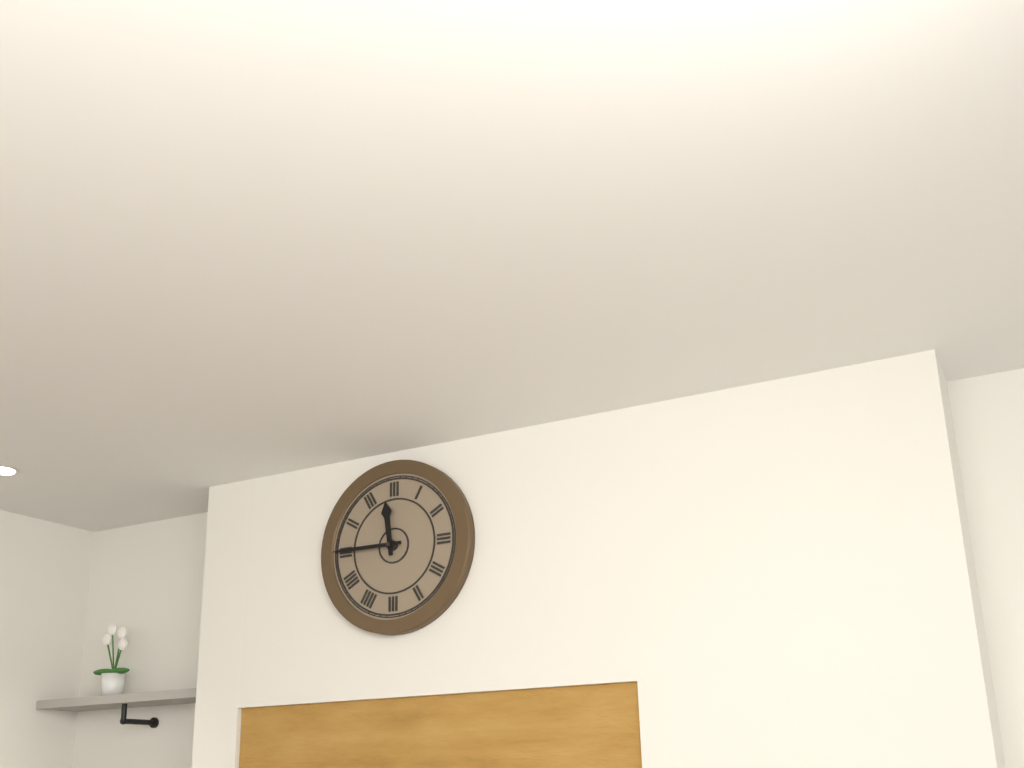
11:45
